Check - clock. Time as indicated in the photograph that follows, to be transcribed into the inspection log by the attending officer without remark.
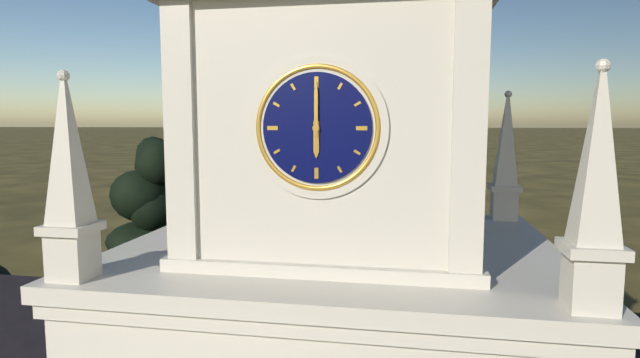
6:00
